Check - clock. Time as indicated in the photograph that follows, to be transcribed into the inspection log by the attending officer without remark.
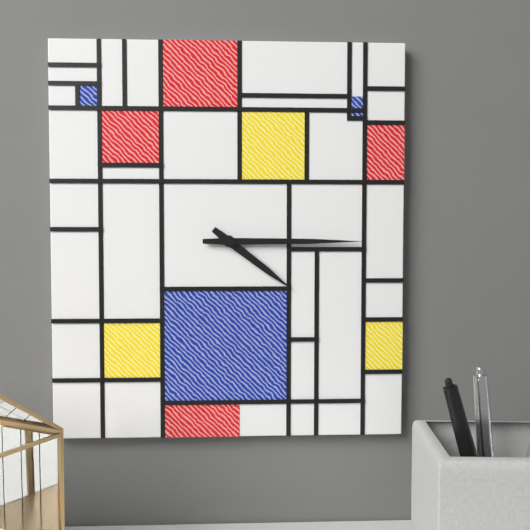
4:15
